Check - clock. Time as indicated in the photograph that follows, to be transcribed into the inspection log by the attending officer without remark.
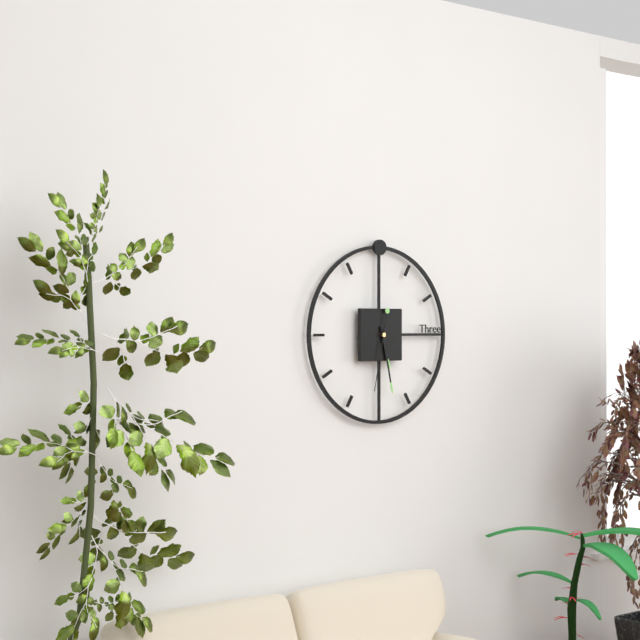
5:28:32
